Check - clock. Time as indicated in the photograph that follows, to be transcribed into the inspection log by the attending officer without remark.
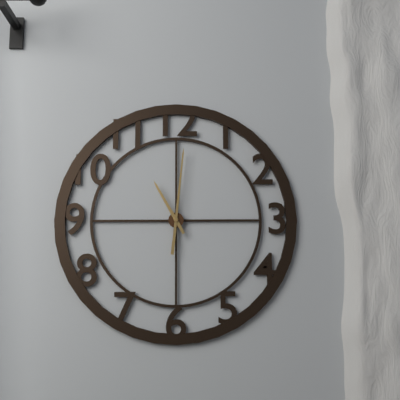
11:01
